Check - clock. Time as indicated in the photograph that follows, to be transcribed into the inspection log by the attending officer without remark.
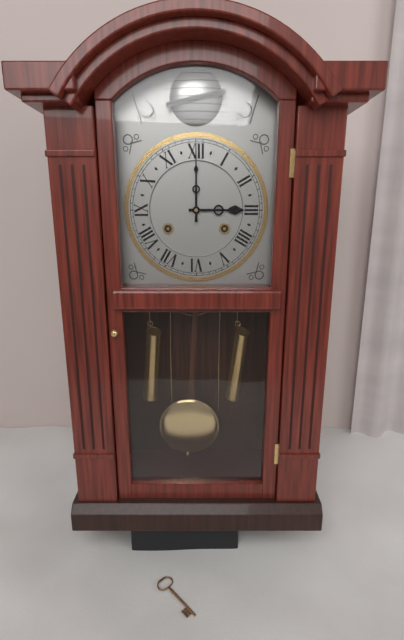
3:00
